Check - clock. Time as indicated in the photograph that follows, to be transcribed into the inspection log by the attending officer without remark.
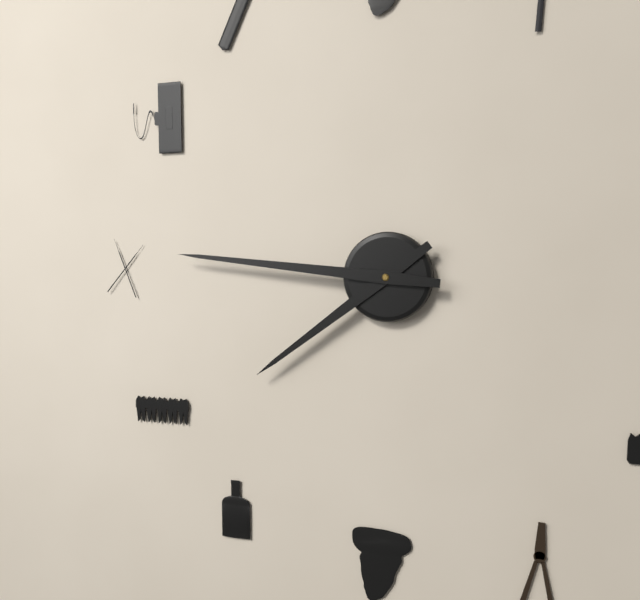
7:46
